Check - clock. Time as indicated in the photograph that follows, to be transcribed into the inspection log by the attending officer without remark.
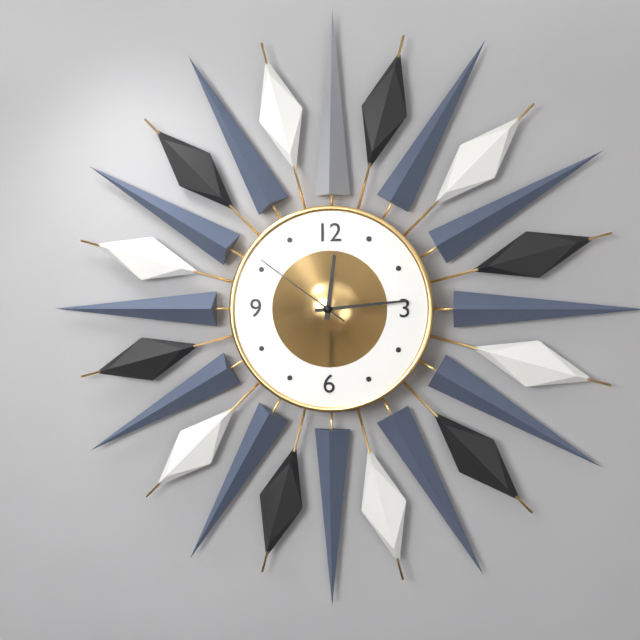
12:14:51
